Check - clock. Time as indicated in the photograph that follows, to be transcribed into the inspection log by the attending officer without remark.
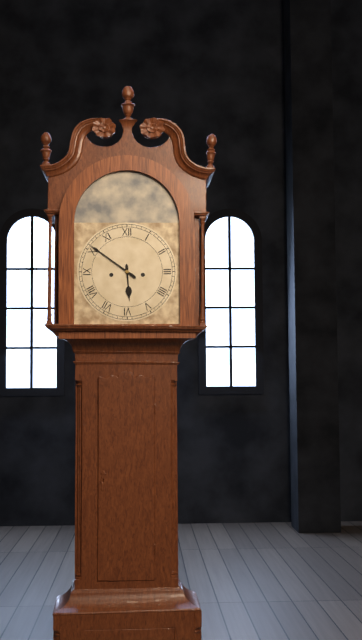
5:51
